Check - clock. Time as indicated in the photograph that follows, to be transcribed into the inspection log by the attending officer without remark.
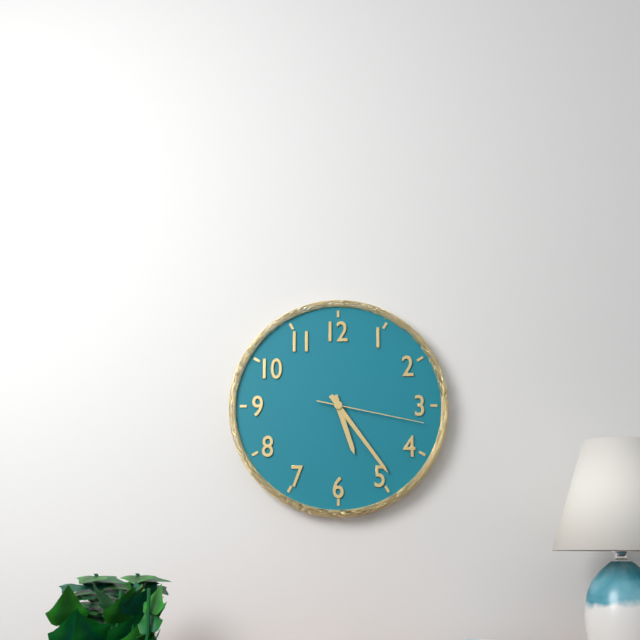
5:24:17
